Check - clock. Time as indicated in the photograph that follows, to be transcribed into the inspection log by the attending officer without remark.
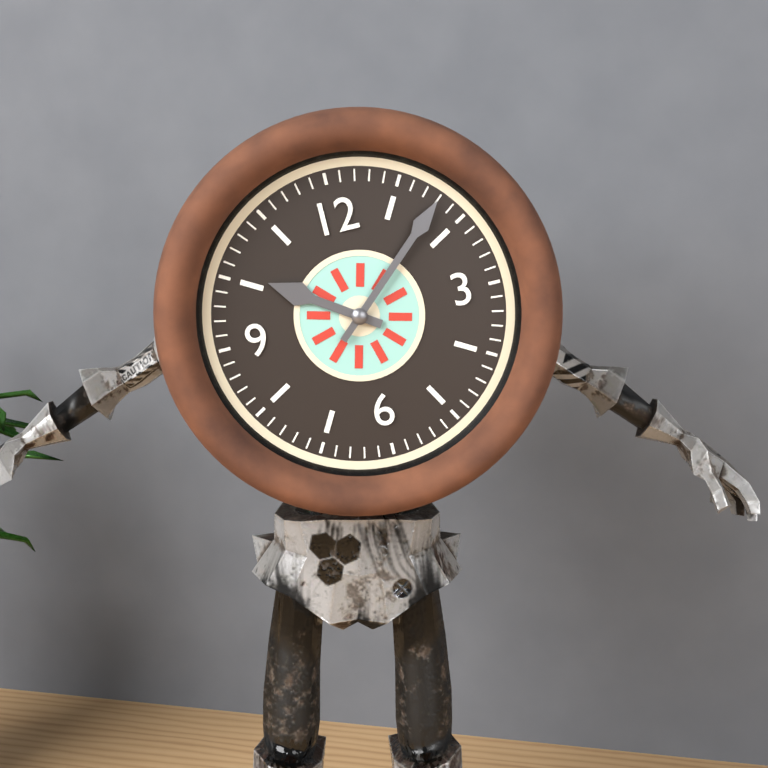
10:08
